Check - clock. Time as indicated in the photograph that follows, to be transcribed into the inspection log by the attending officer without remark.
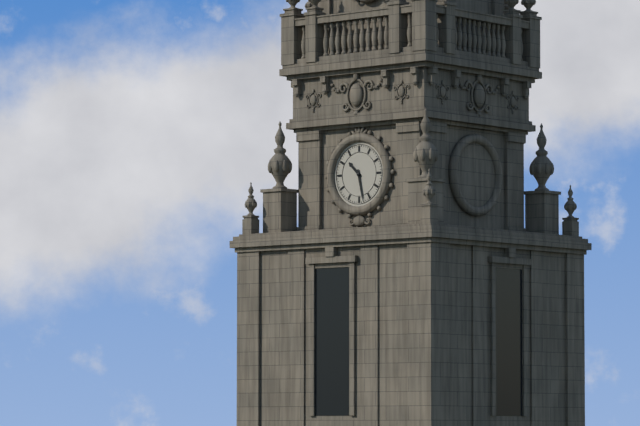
10:28
